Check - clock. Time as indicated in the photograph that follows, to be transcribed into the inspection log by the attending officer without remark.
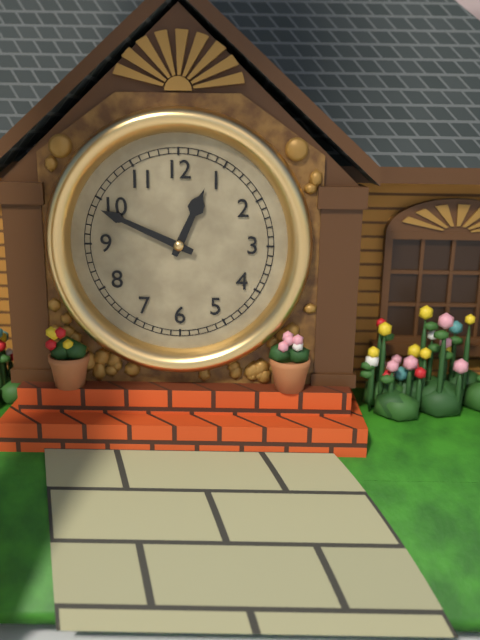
12:49
